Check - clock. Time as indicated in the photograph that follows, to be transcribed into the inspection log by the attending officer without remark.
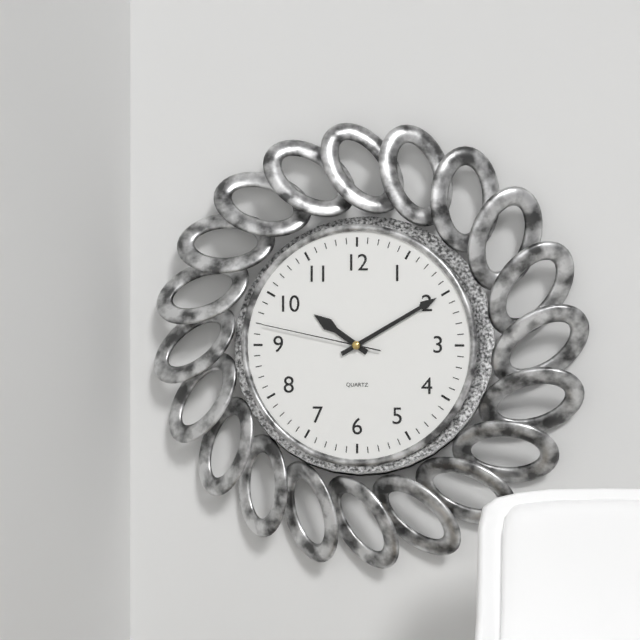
10:10:47
